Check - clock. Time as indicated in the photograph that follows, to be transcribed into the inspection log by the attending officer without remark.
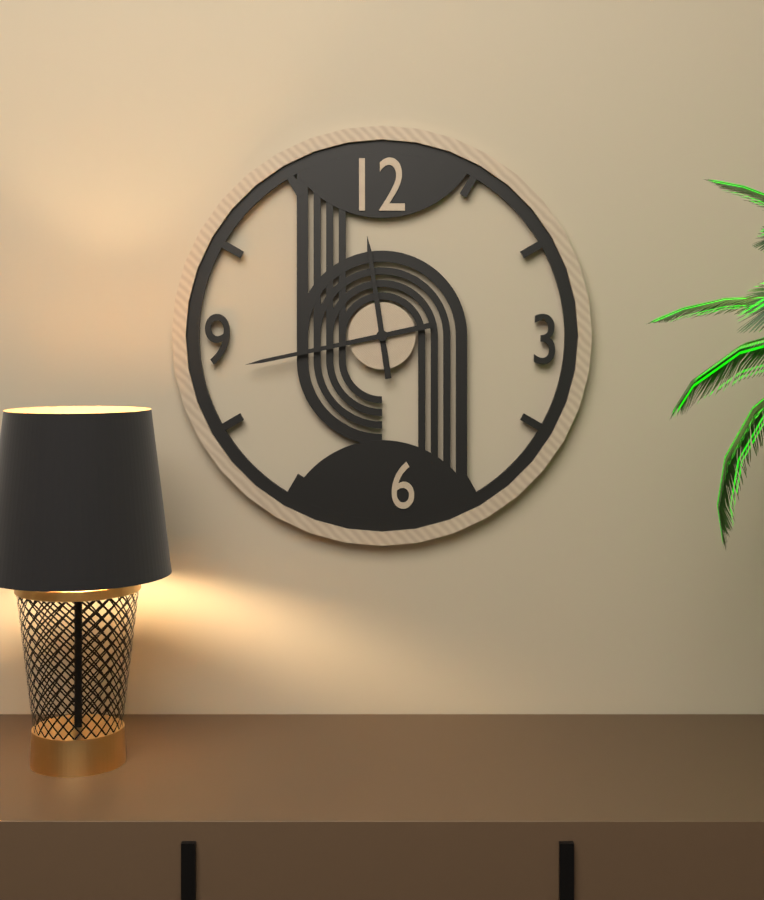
11:43
